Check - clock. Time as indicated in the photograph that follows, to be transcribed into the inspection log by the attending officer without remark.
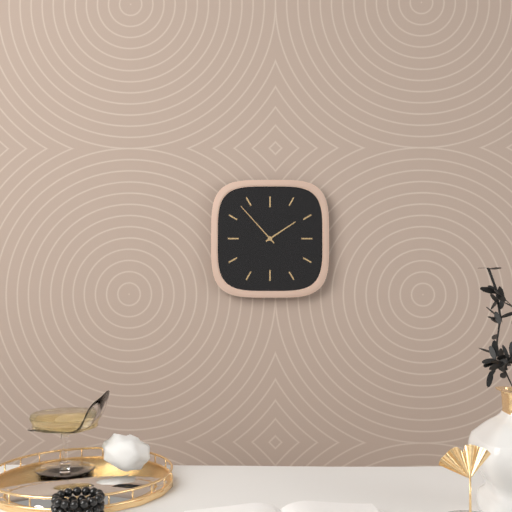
1:53
